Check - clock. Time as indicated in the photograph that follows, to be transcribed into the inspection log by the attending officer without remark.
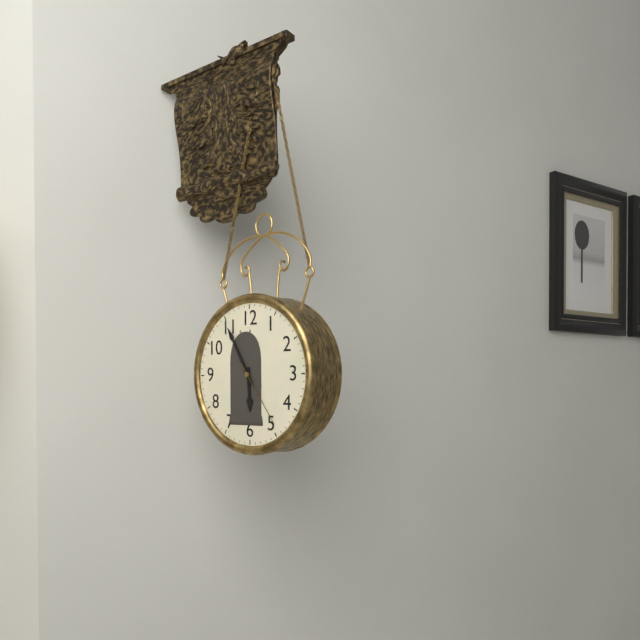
5:55:24
